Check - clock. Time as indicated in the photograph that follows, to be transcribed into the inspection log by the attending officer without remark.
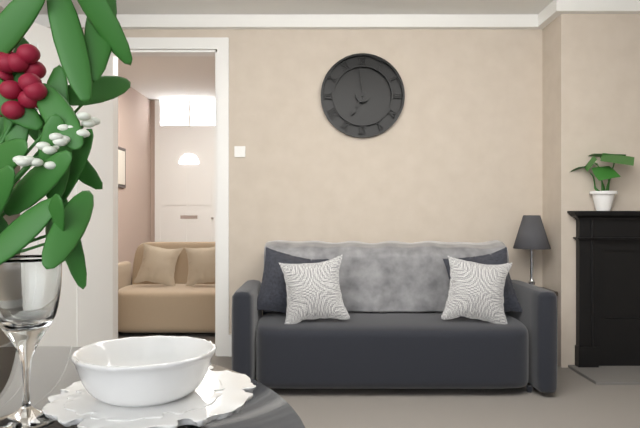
6:59
